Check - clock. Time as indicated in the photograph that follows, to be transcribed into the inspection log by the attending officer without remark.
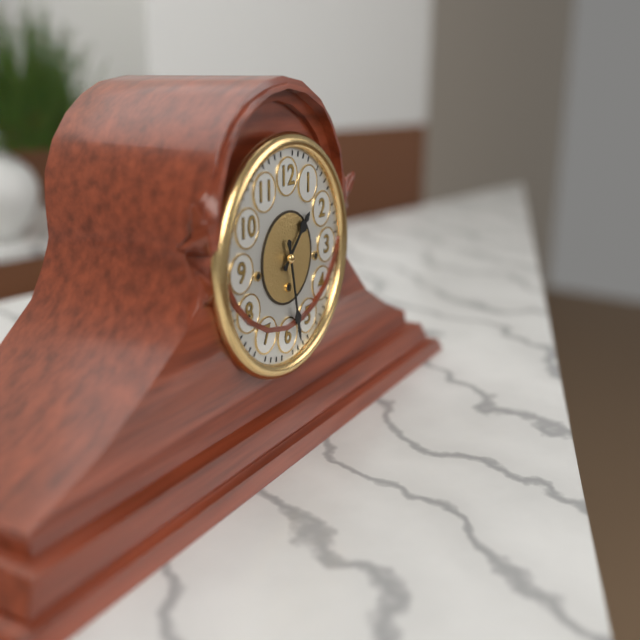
1:28
